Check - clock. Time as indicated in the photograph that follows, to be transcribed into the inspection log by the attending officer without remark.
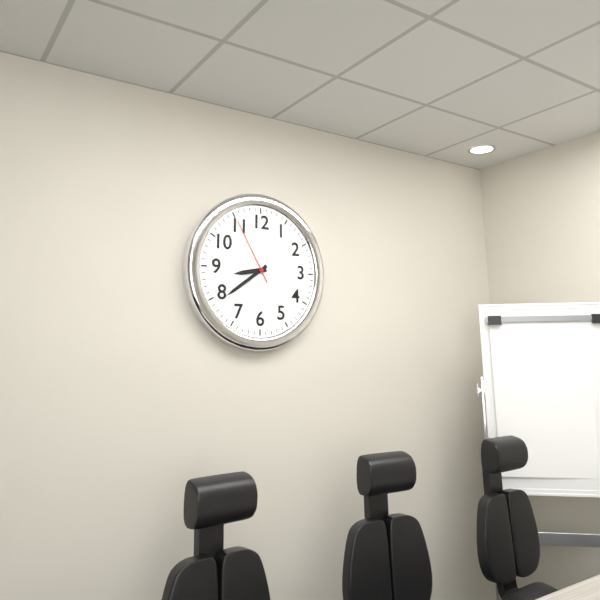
8:39:55
